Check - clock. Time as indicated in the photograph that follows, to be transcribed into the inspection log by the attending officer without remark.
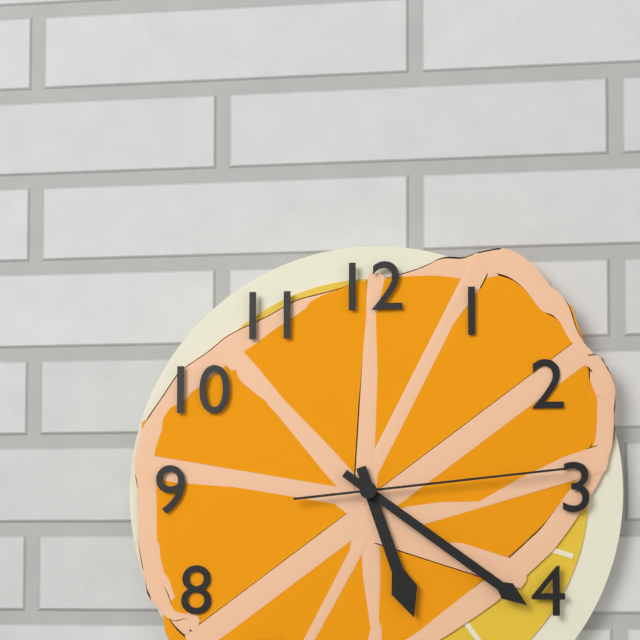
5:21:14
